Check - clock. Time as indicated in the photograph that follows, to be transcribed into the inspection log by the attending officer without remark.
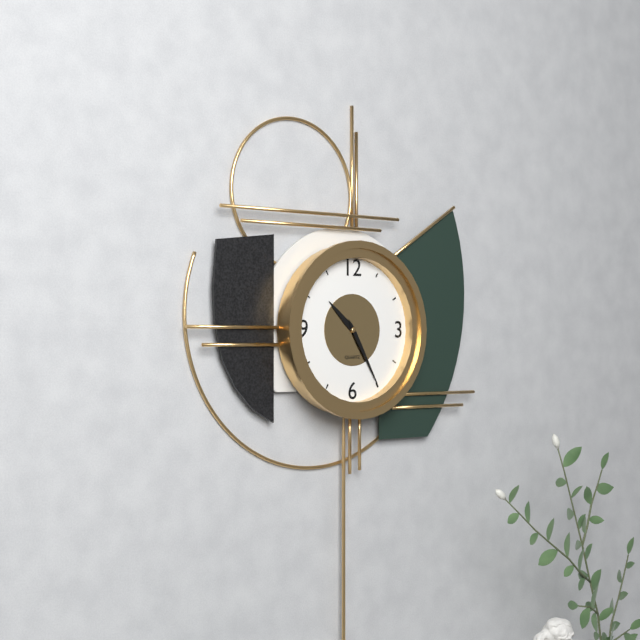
10:25
